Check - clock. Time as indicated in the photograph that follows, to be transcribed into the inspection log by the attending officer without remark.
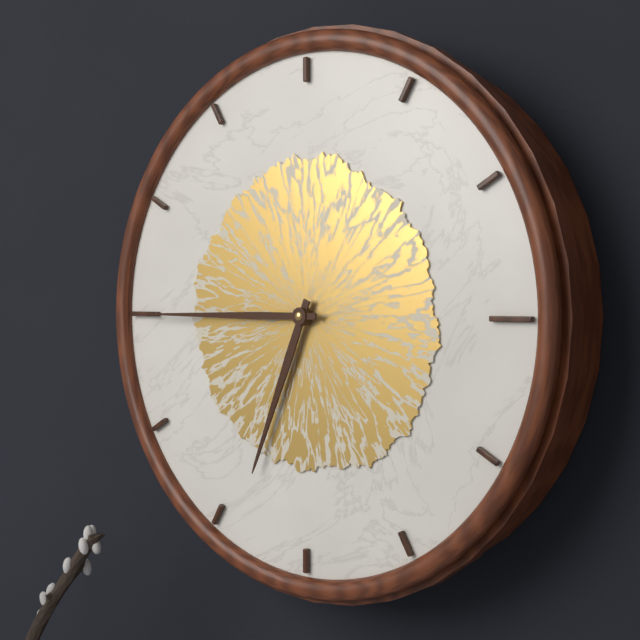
6:45
